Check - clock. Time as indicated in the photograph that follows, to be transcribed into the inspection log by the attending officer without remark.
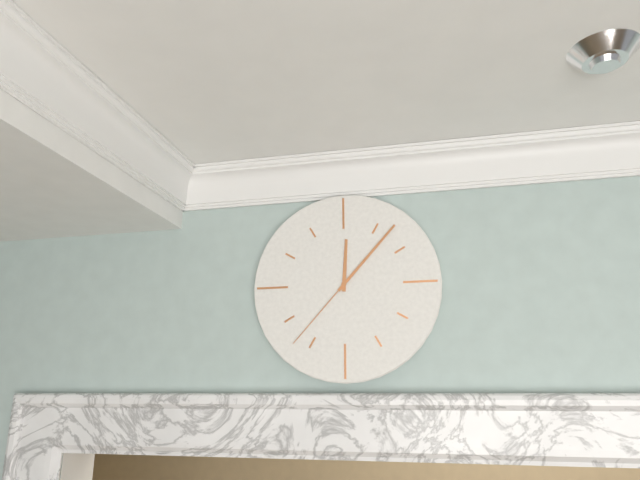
12:07:37
